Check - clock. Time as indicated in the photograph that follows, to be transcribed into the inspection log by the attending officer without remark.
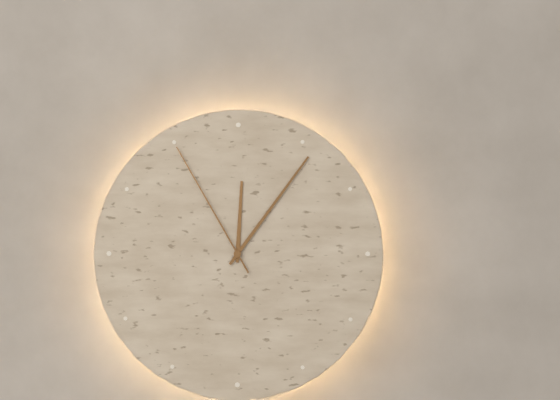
12:06:55
